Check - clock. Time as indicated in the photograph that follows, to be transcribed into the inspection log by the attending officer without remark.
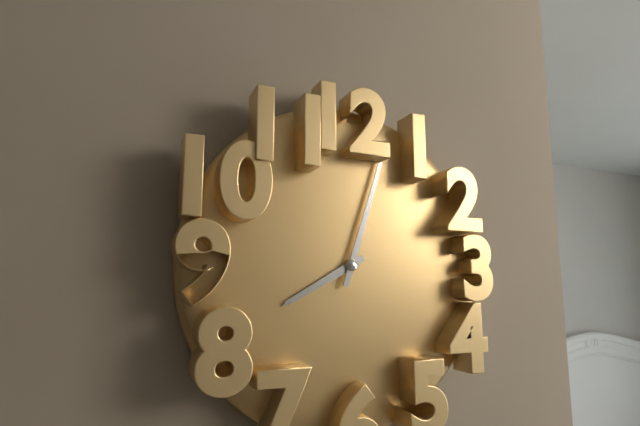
8:03
